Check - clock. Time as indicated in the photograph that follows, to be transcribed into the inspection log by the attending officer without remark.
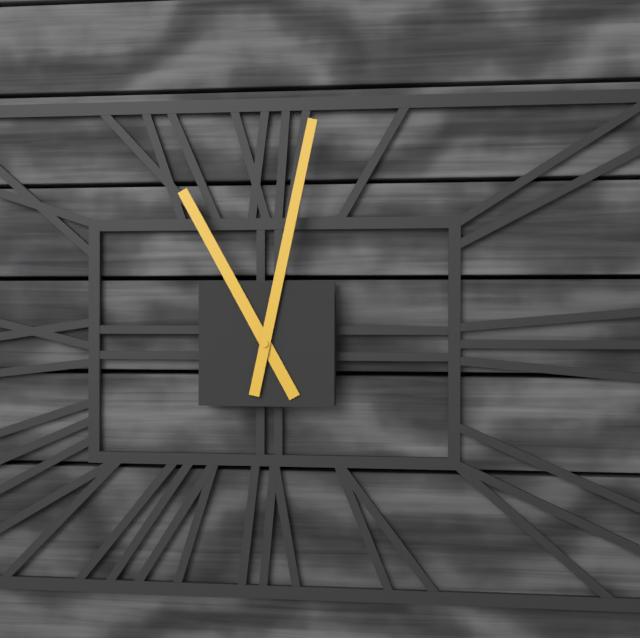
11:02
